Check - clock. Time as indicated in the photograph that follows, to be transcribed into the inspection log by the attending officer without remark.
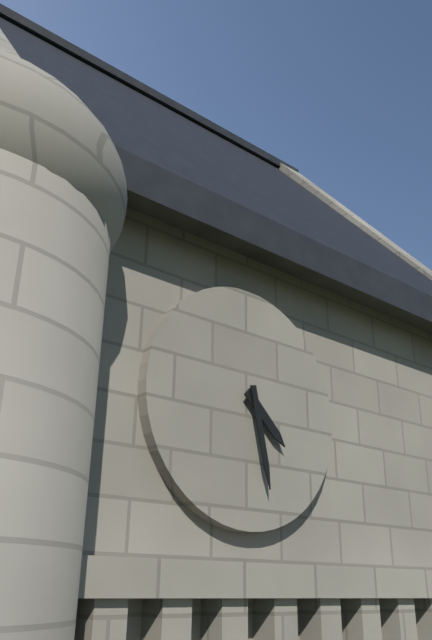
4:28
